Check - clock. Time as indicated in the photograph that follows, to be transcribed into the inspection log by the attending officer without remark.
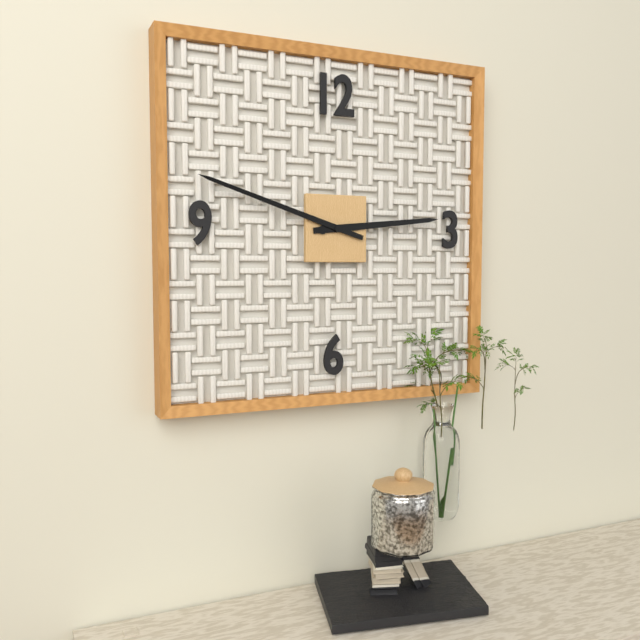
2:48
